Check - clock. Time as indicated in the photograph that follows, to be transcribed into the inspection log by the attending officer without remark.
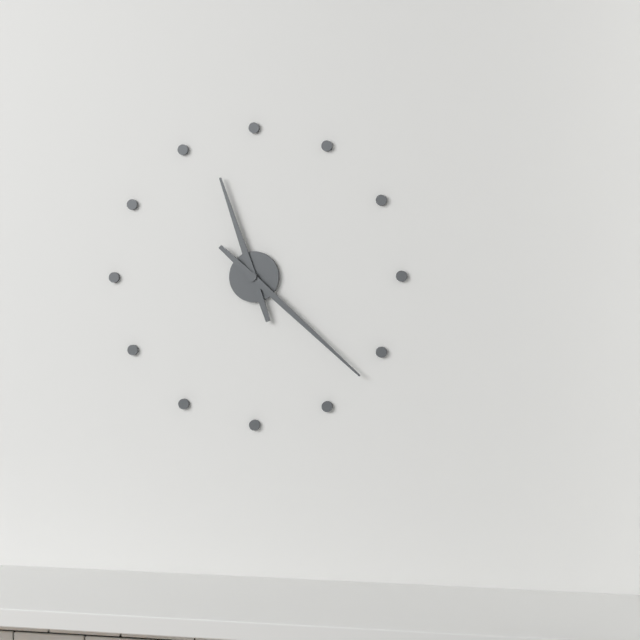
11:22
